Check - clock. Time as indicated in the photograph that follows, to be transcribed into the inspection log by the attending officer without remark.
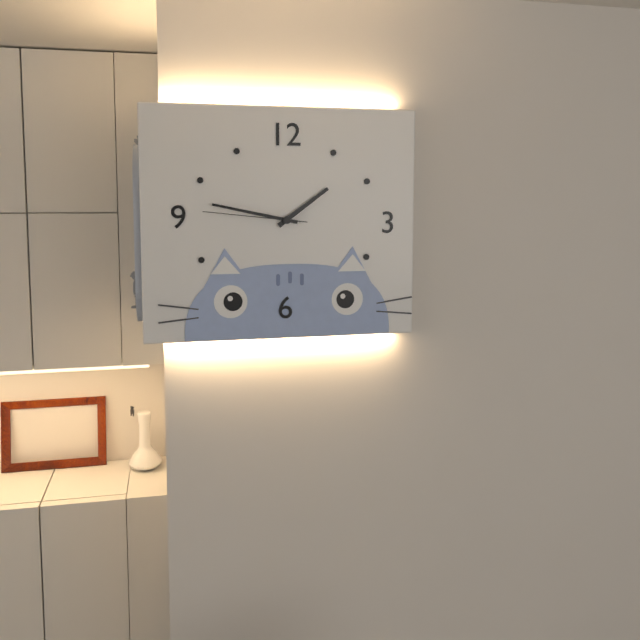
1:47:46
